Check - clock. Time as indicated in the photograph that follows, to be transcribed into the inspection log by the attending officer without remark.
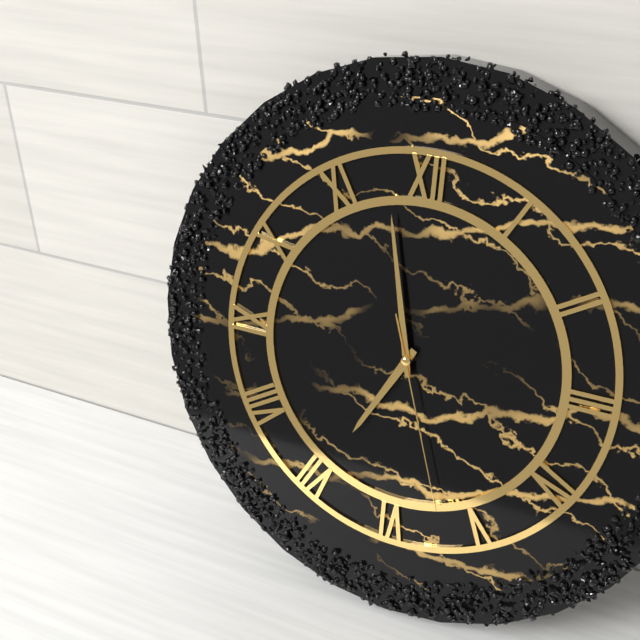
6:58:27
